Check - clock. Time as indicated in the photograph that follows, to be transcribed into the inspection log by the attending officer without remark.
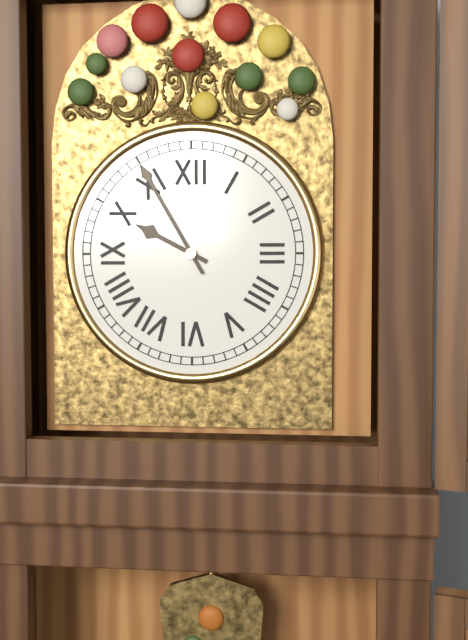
9:55
